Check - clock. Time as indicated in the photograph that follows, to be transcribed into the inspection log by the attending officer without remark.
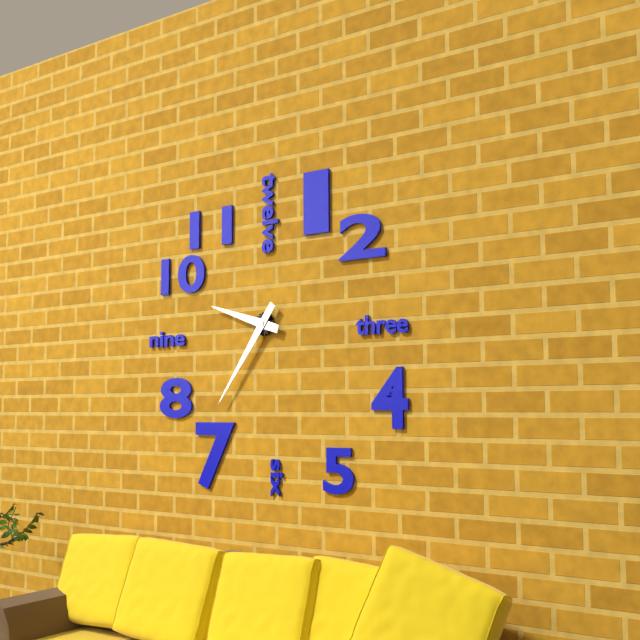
9:36
